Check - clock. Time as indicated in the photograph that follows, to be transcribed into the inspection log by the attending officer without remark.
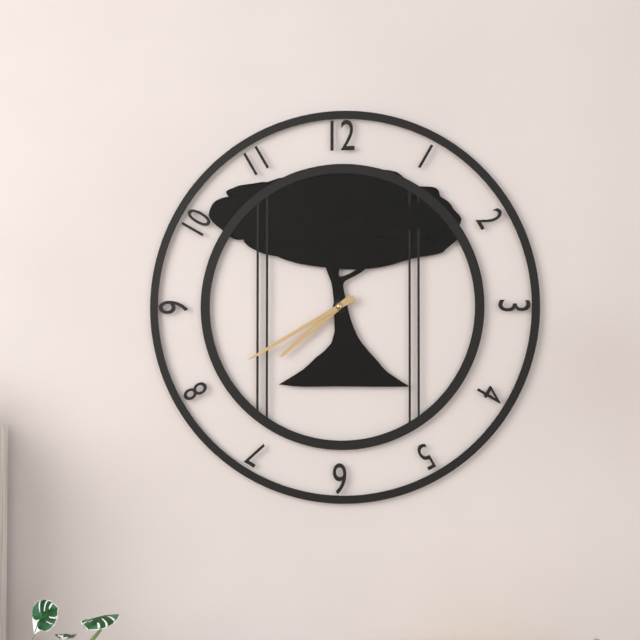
7:40
